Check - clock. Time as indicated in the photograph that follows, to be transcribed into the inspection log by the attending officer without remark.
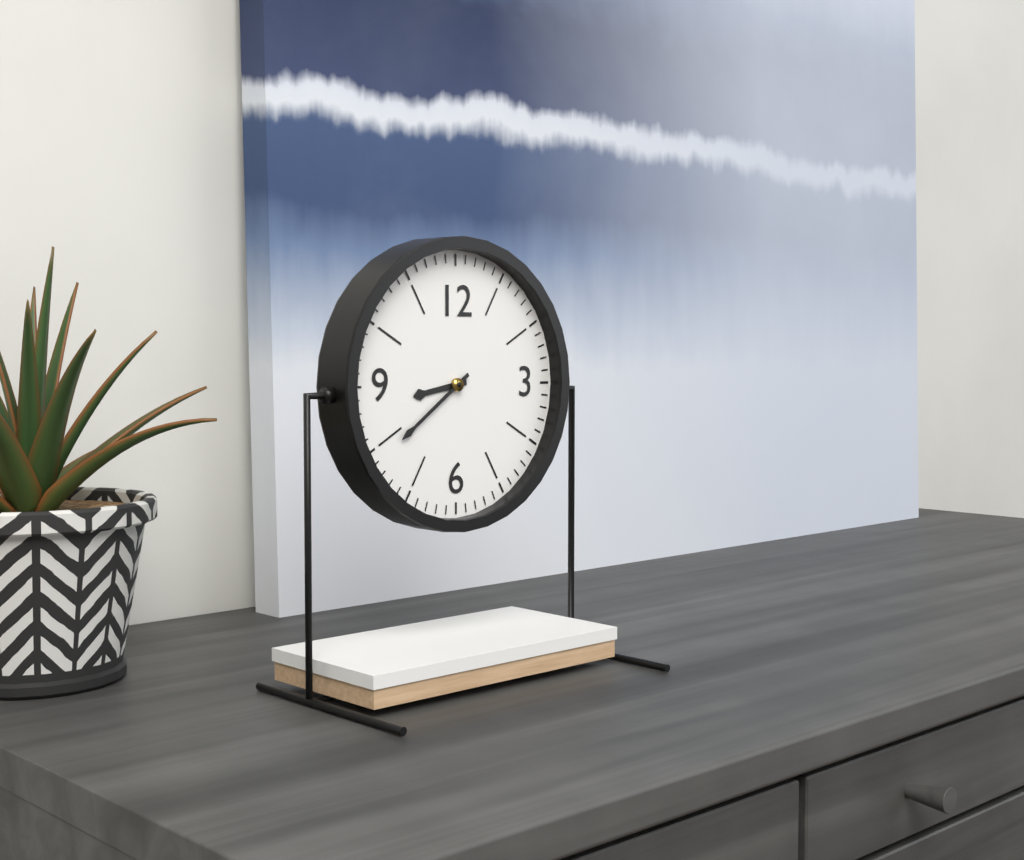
8:39
